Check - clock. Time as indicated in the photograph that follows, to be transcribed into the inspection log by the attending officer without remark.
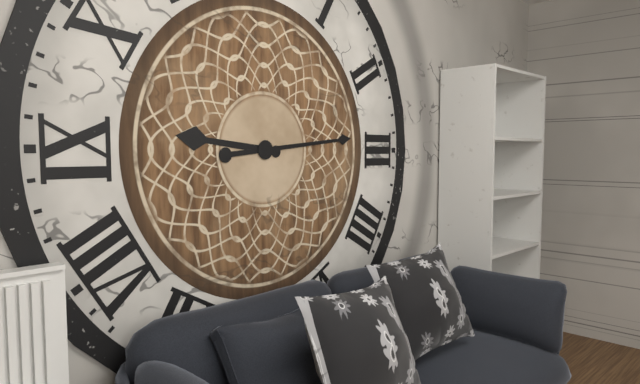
9:14
